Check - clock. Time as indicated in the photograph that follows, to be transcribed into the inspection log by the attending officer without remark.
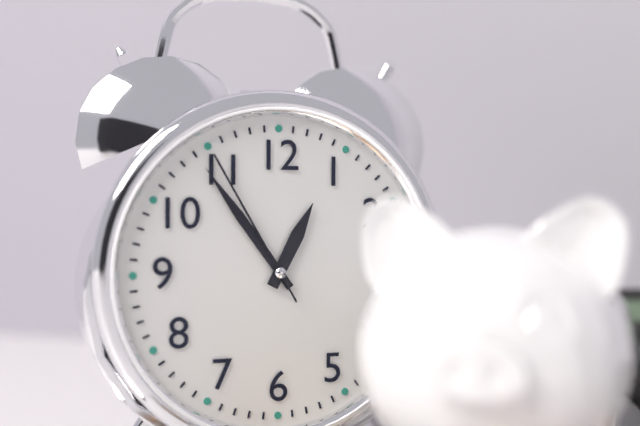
12:54:55
